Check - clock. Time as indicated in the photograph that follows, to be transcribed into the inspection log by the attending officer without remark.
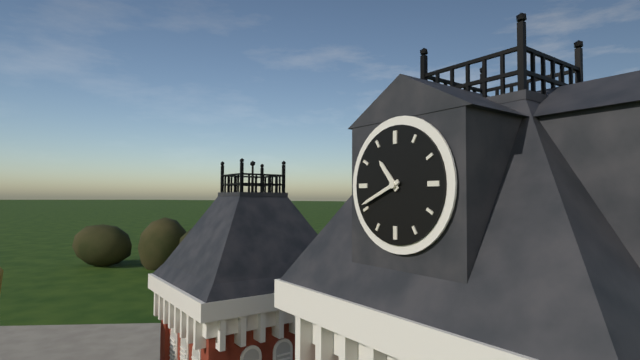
10:41
